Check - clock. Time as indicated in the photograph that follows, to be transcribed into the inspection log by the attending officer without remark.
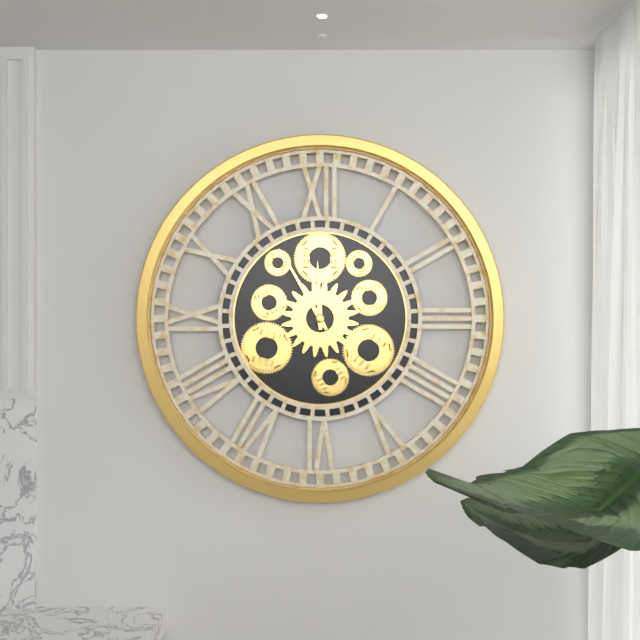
11:55
